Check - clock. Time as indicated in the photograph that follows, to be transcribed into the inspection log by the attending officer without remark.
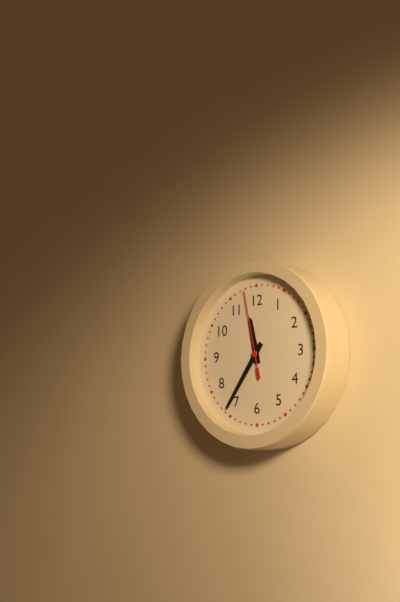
11:36:58
